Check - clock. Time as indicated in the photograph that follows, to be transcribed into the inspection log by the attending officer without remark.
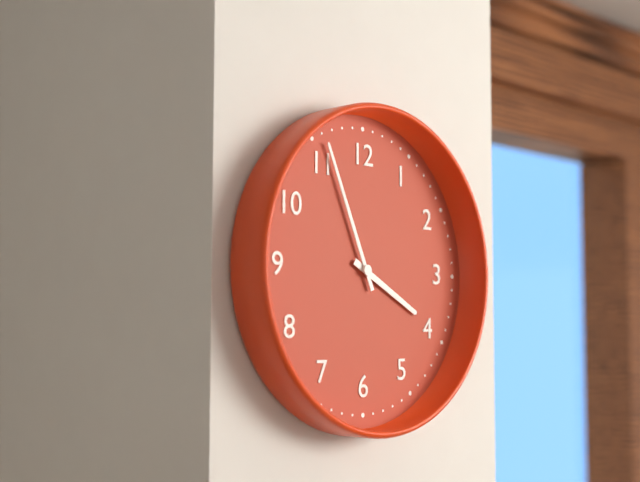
3:56
